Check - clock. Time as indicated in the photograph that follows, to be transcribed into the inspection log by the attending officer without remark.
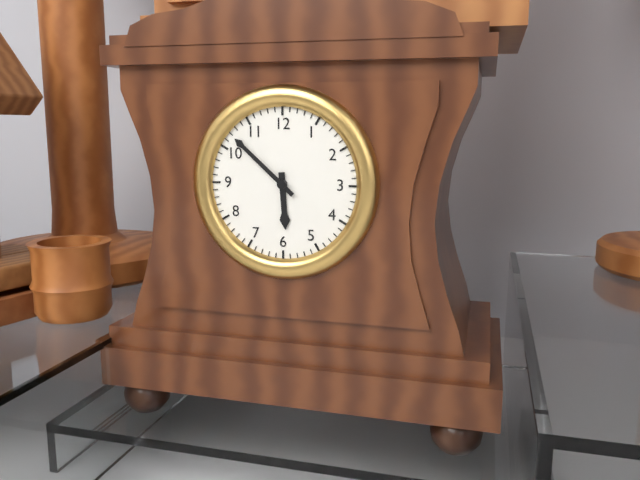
5:52
